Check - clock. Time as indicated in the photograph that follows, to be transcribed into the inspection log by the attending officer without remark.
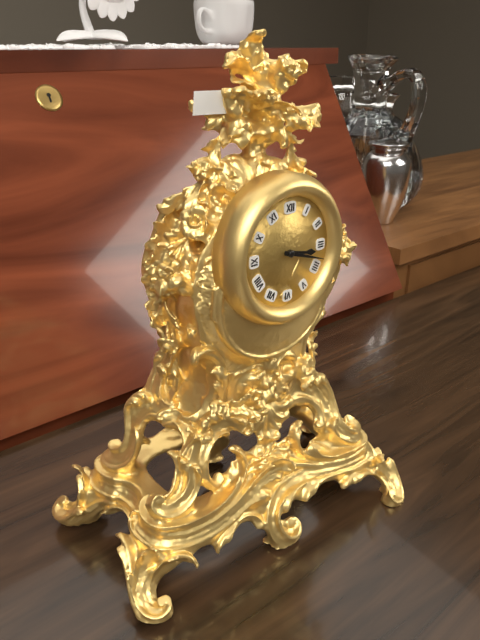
3:18
